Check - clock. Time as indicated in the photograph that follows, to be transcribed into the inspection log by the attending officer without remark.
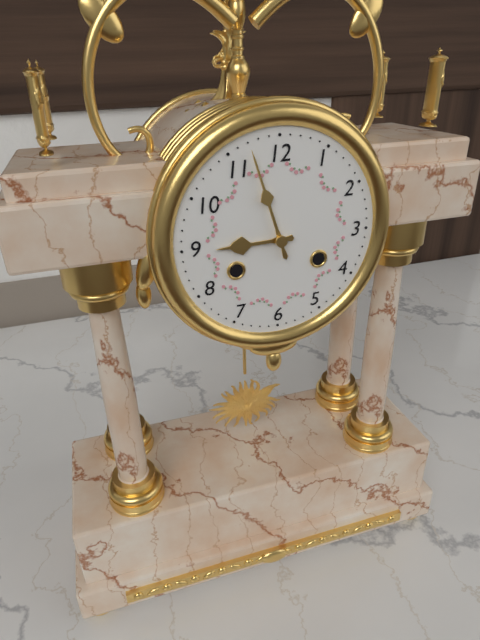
8:57
